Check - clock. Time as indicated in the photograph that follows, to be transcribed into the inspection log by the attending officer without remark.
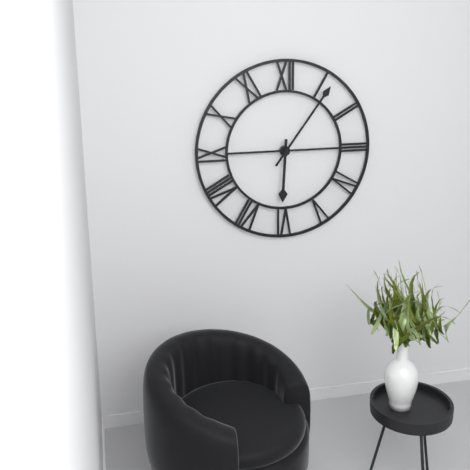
6:06
